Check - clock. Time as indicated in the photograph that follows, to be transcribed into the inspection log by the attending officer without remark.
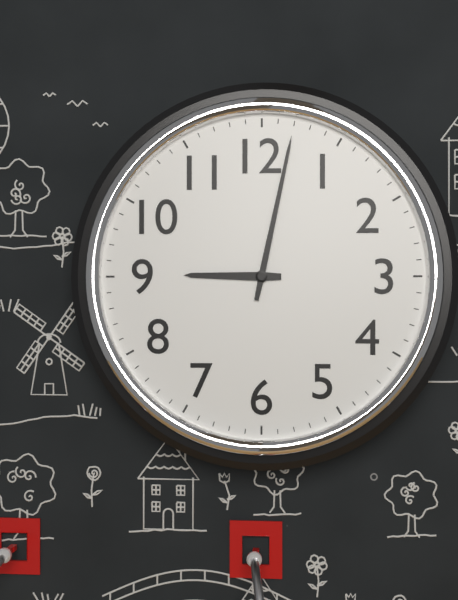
9:02
